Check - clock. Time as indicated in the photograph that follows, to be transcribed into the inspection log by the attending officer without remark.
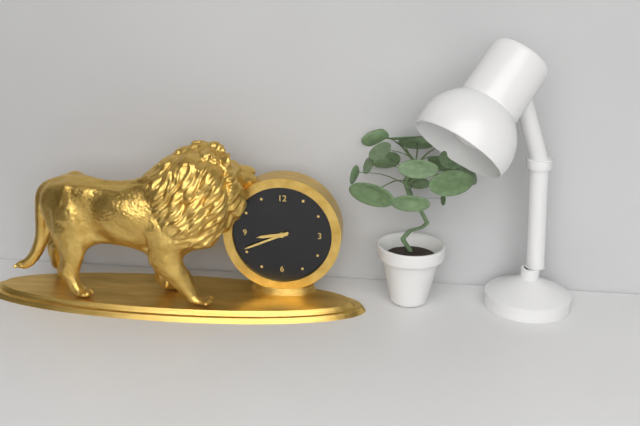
8:41
